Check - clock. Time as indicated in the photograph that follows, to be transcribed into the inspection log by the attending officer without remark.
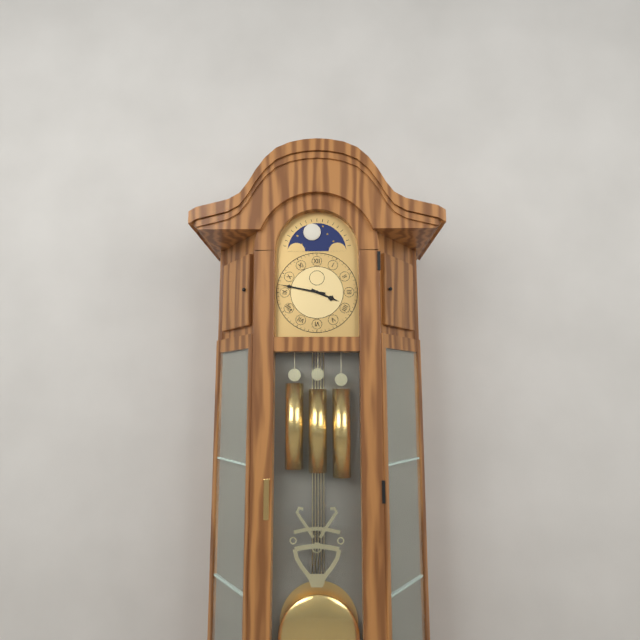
3:47
